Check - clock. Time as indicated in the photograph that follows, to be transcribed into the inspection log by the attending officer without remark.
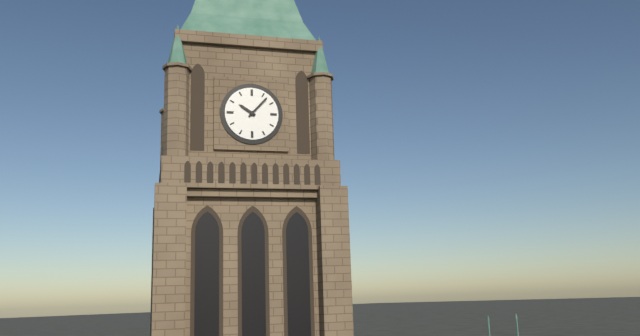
10:07
